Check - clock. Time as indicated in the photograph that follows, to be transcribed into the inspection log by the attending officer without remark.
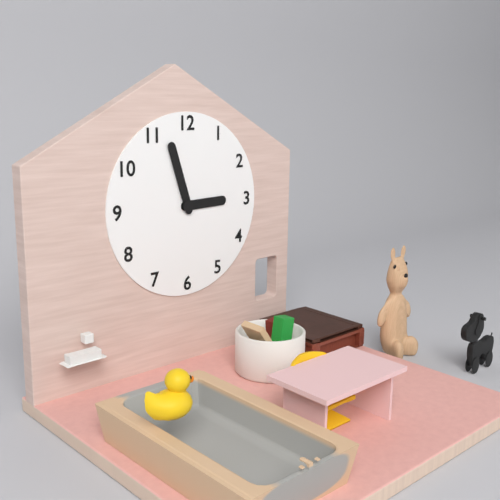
2:57
